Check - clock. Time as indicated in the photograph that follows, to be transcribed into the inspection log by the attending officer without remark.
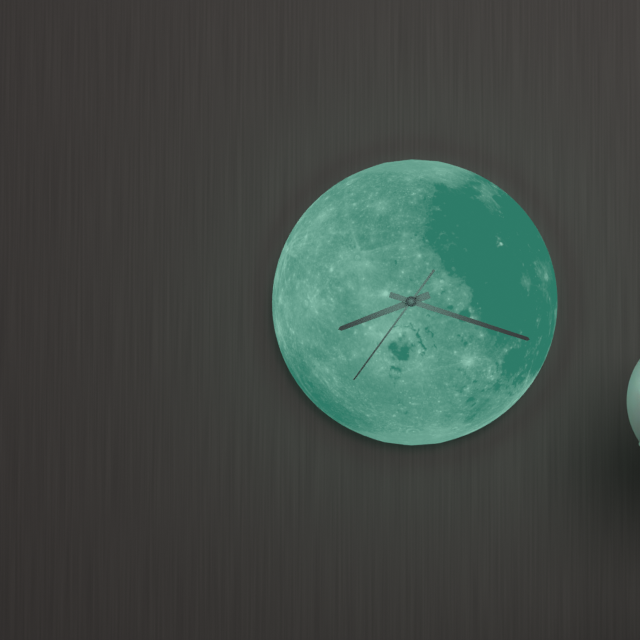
8:18:36
